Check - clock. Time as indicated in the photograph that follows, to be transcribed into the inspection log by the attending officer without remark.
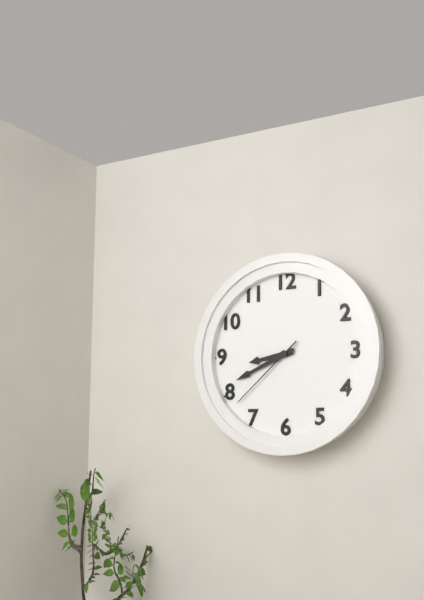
8:41:38
